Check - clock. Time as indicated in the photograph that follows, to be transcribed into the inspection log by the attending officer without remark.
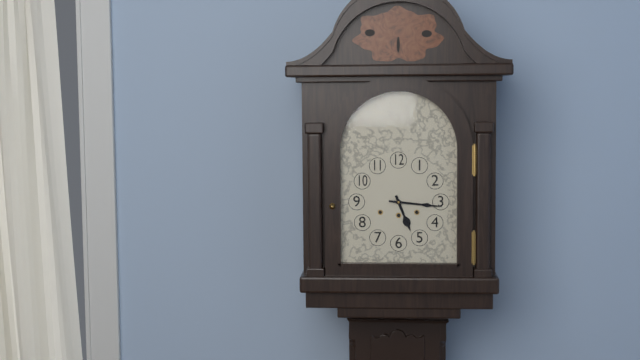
5:16
